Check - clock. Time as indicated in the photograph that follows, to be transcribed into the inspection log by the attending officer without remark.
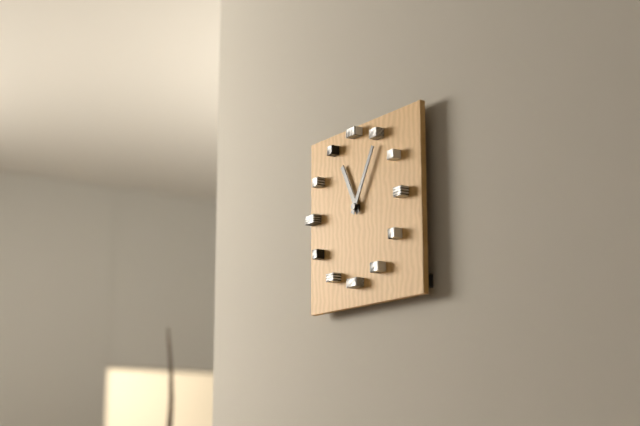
11:05
